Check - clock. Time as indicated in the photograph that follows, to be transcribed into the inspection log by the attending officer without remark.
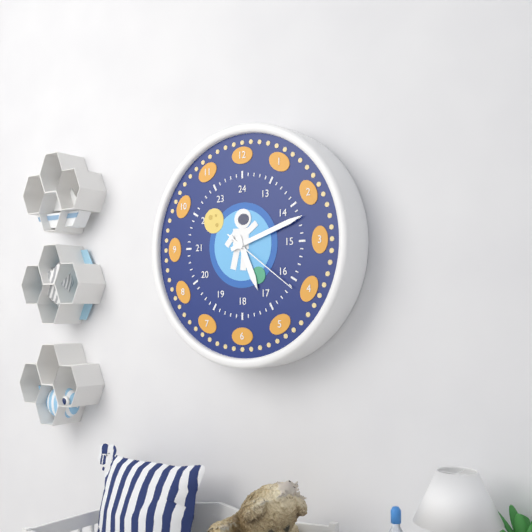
5:12:21
